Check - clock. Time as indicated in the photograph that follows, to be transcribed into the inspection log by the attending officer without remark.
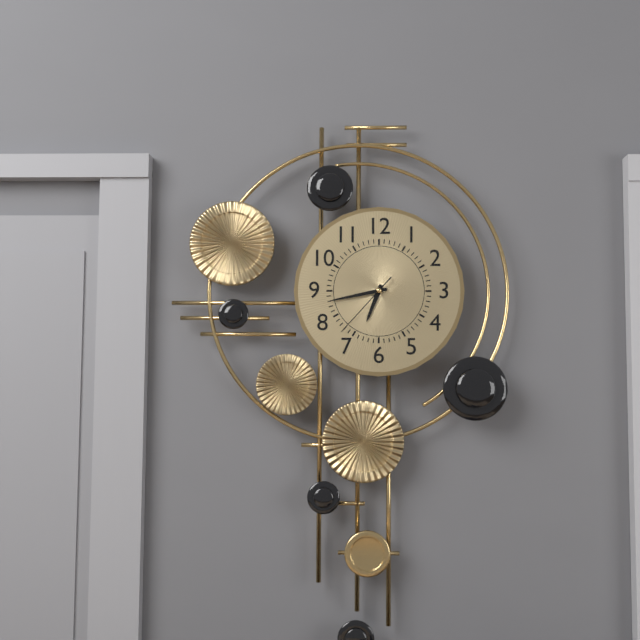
6:43:37
